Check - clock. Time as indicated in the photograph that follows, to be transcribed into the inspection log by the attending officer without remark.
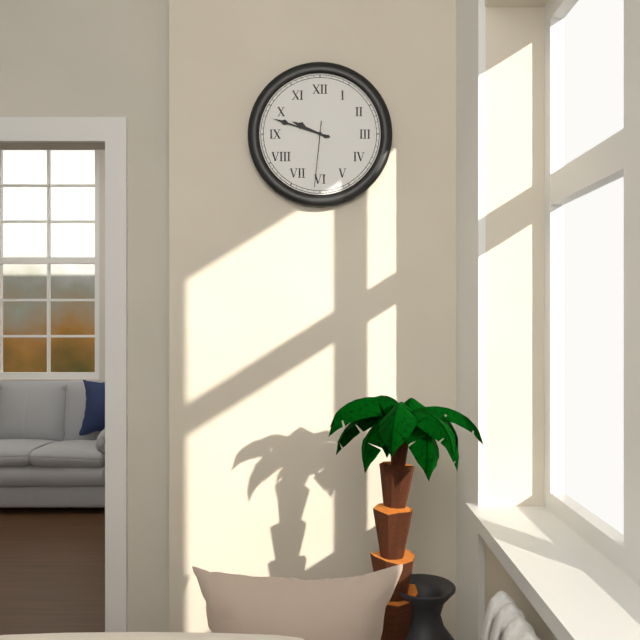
9:48:31
